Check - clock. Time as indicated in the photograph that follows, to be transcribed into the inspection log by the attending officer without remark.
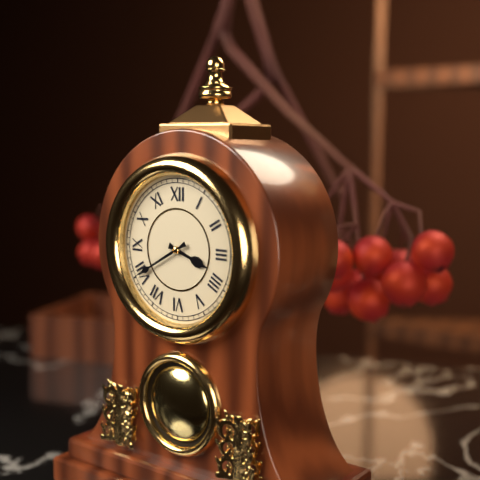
3:40
